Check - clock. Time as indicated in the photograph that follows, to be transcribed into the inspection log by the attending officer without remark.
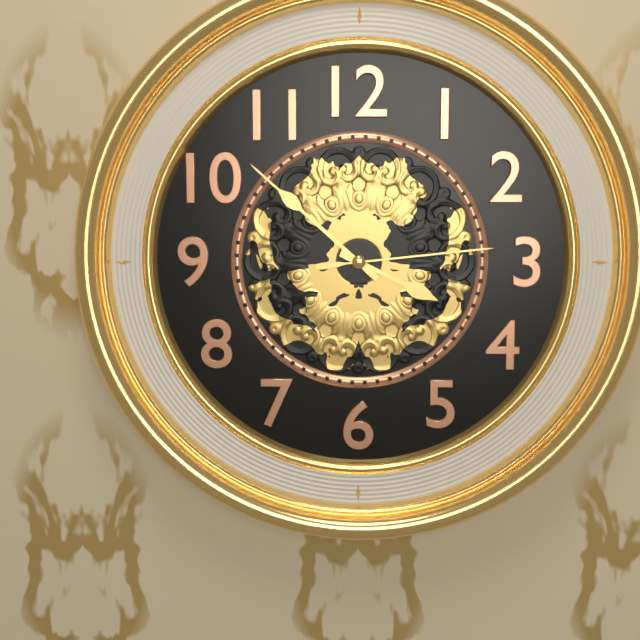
3:52:14
